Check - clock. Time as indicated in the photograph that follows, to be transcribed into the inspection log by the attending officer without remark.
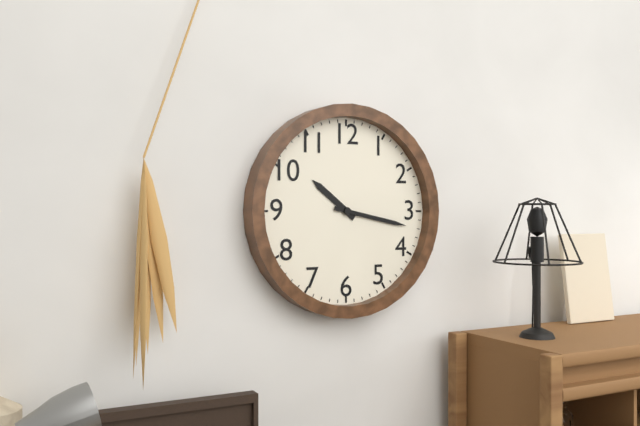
10:17
